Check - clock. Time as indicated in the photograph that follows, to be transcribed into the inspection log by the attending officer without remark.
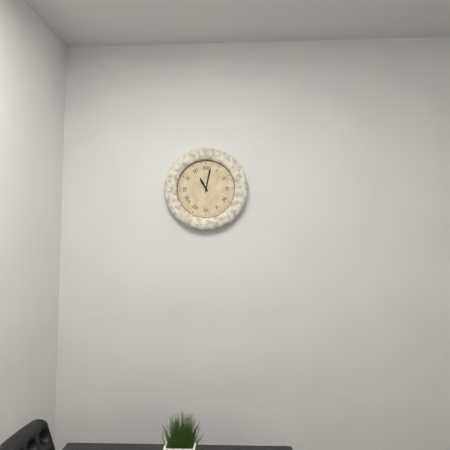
11:02
